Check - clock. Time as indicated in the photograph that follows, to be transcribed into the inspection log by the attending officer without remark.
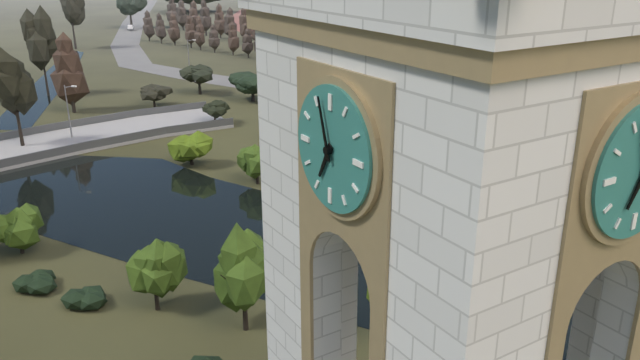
6:57
